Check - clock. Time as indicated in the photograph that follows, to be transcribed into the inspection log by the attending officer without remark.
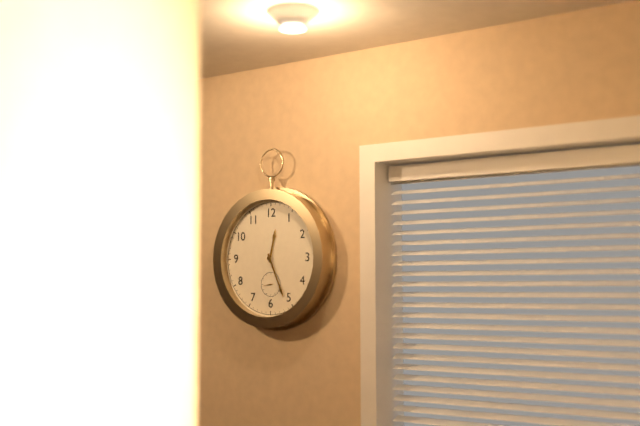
12:26
